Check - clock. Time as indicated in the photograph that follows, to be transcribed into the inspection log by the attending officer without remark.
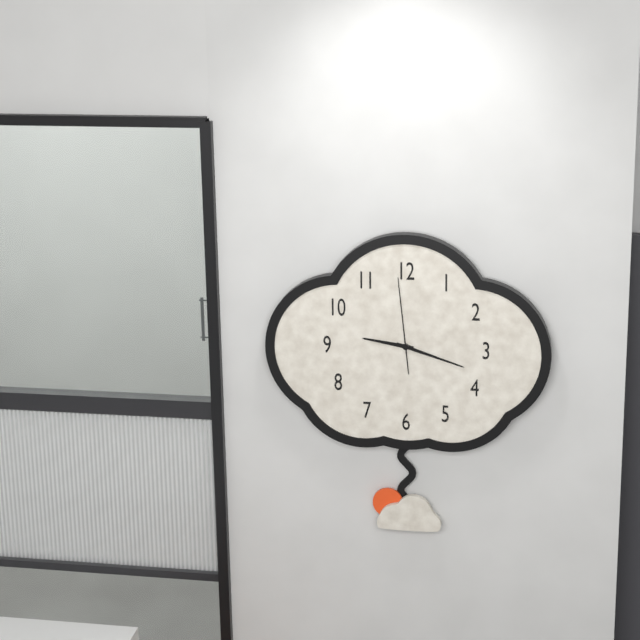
9:18:59
